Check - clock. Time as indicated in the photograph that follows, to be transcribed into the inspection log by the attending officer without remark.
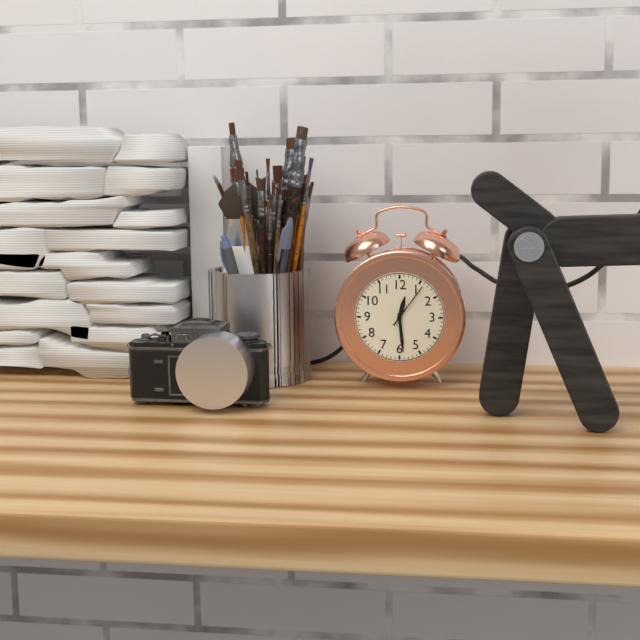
12:29
